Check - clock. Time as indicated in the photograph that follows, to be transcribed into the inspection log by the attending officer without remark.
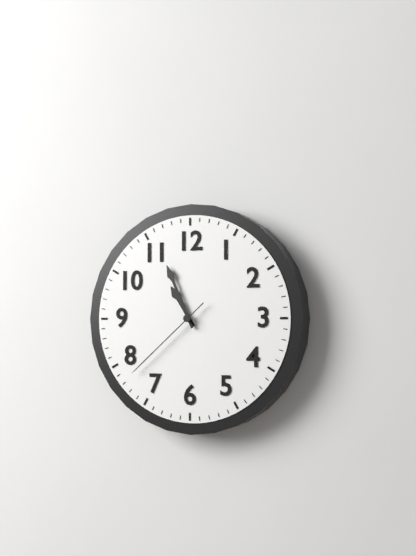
10:56:38
